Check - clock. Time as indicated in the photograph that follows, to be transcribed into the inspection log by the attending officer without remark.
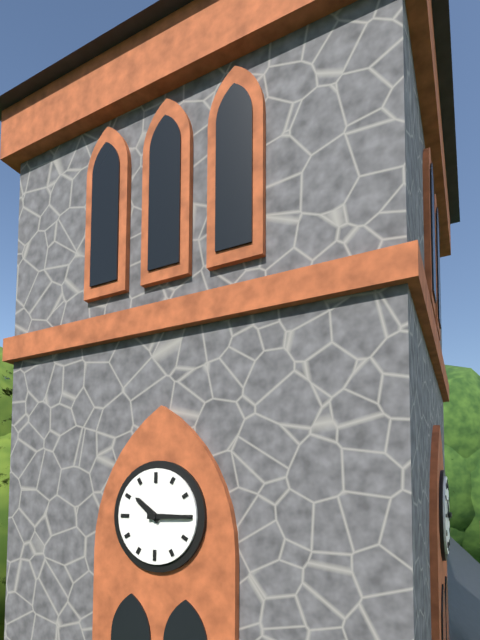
10:15
